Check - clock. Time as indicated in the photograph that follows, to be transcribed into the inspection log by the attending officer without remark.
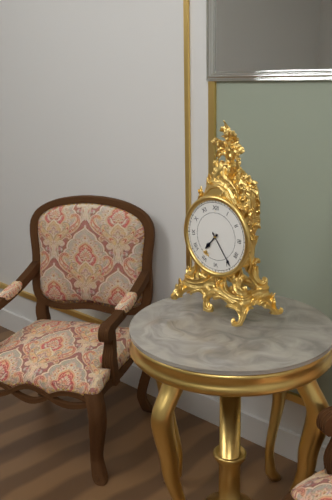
7:24
